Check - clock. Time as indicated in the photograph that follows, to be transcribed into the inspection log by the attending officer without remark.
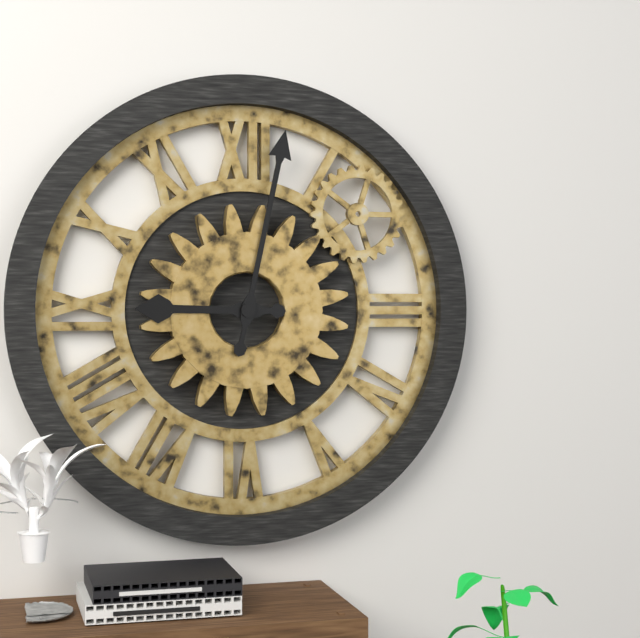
9:02
